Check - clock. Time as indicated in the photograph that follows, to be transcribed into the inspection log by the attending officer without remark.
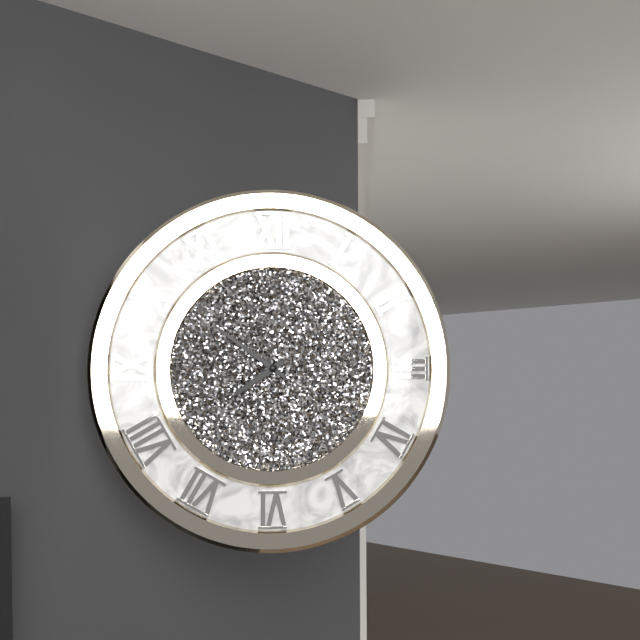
7:51
